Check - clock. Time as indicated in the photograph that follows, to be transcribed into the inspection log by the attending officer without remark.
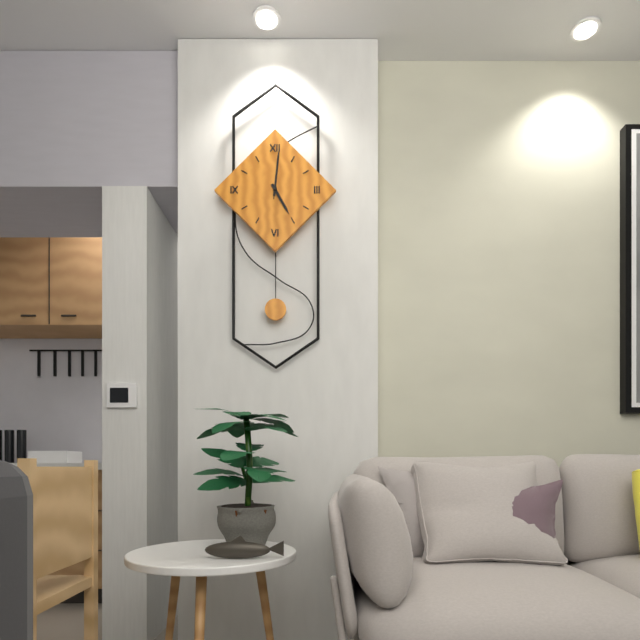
5:01:01
